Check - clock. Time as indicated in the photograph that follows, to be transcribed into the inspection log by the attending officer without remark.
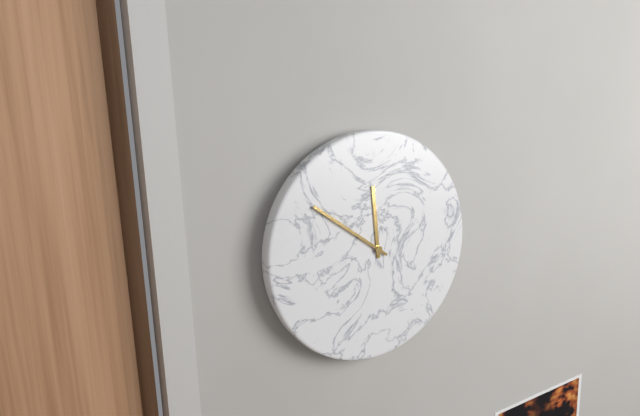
11:51
